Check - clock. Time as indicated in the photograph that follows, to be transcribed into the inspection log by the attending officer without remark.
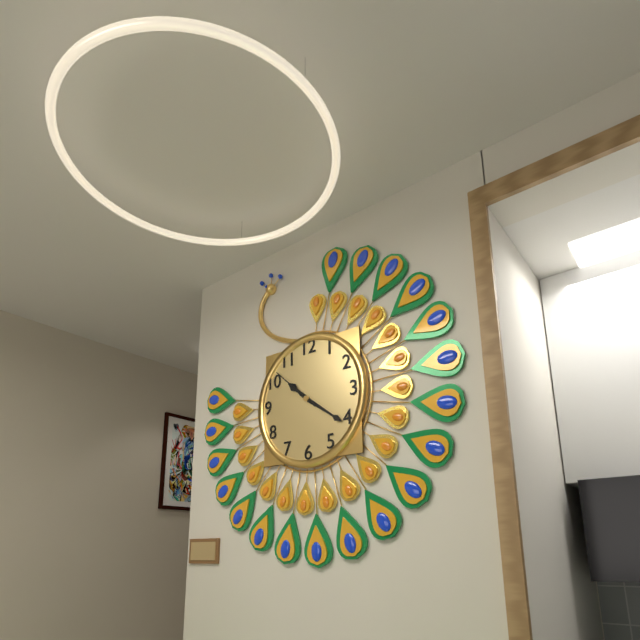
10:21:52
